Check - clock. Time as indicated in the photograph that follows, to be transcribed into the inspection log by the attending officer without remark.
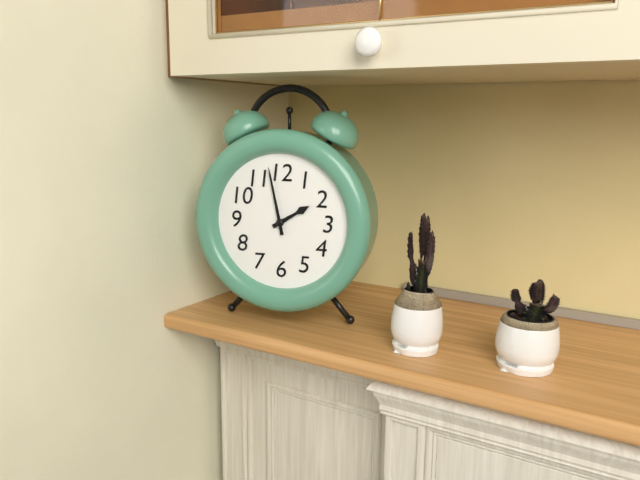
1:58
